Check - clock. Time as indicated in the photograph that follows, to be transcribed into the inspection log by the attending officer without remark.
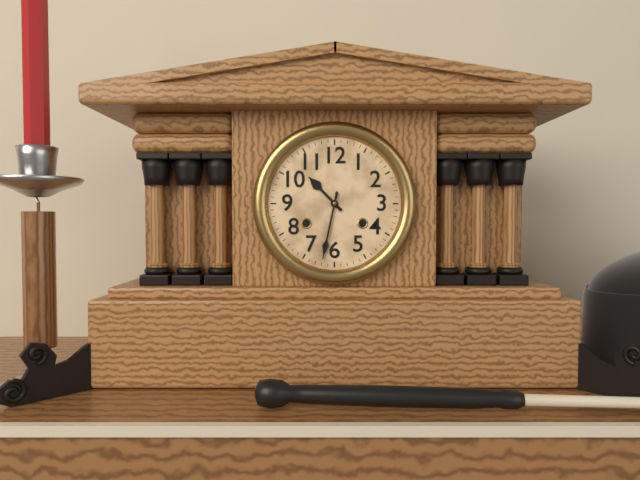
10:32
